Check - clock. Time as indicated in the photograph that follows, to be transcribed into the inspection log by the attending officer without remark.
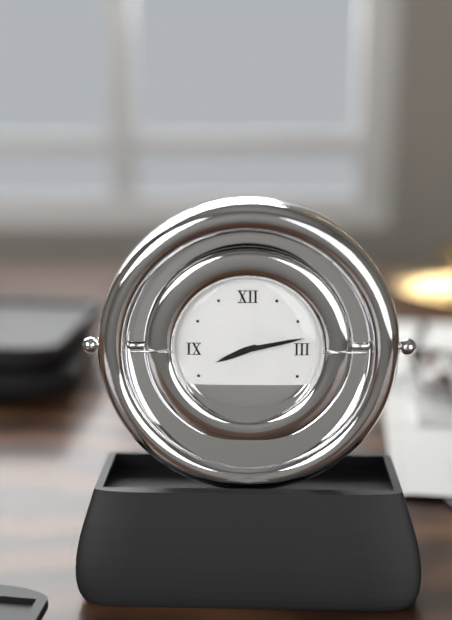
8:13
